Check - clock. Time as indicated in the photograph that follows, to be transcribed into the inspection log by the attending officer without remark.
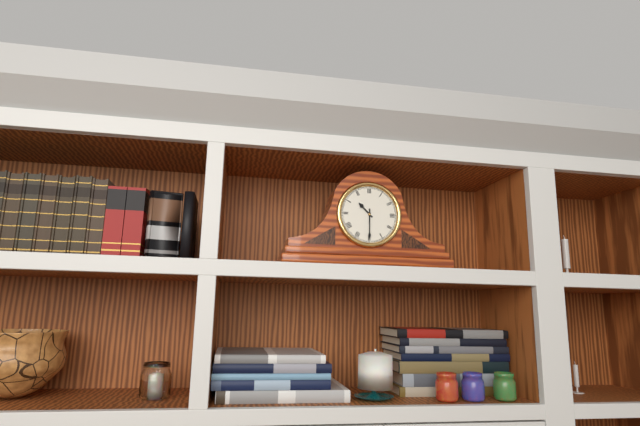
10:30
